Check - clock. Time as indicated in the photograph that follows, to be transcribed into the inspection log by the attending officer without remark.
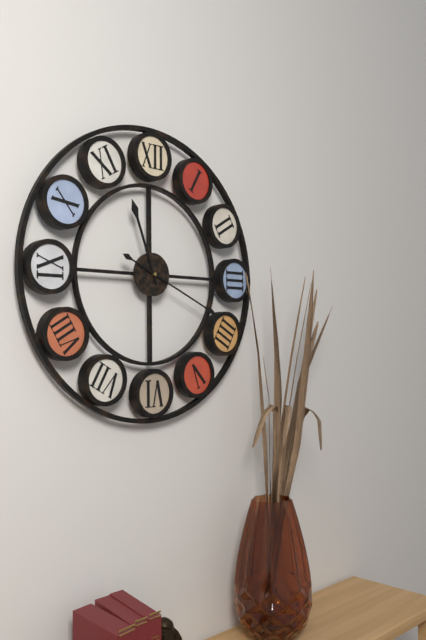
11:19
